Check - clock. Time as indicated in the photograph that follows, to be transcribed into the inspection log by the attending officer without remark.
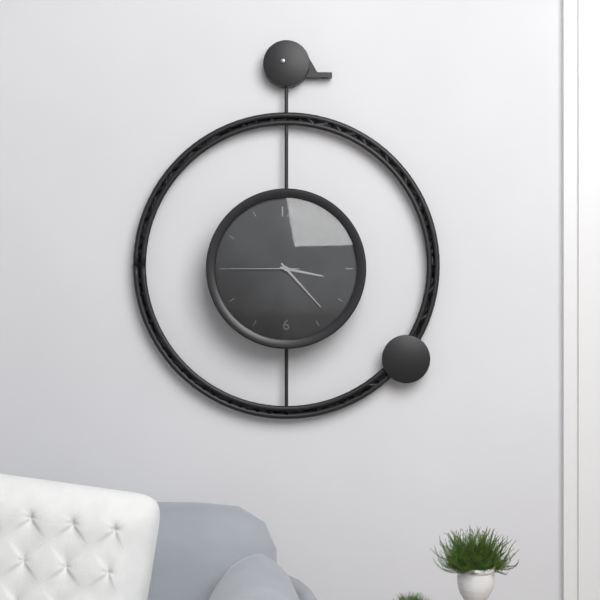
3:23:45
